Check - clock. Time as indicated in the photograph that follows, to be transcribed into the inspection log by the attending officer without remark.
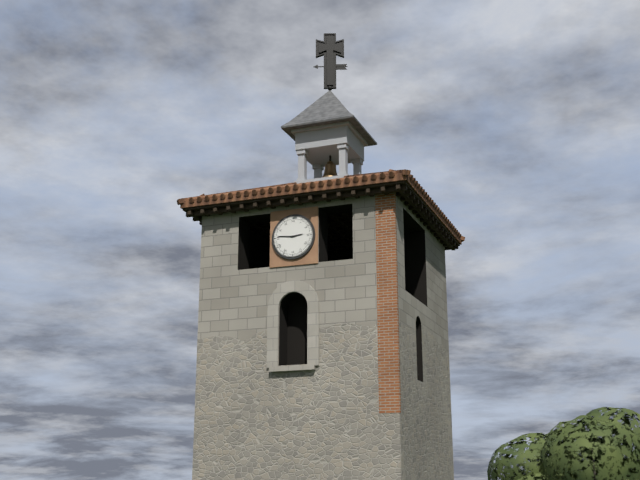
2:46
